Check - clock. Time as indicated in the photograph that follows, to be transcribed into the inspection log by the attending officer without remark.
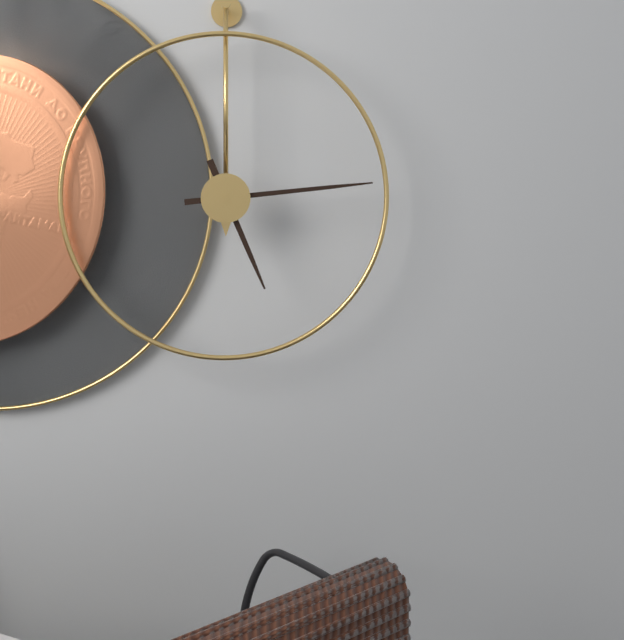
5:14
